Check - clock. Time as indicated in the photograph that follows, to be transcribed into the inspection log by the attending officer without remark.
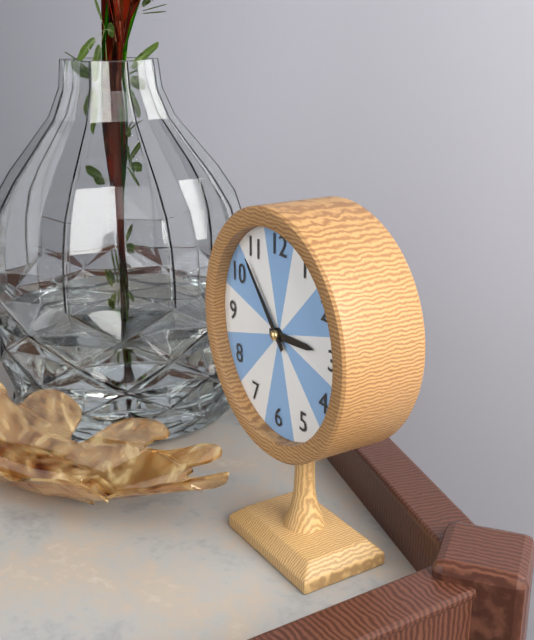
2:53
